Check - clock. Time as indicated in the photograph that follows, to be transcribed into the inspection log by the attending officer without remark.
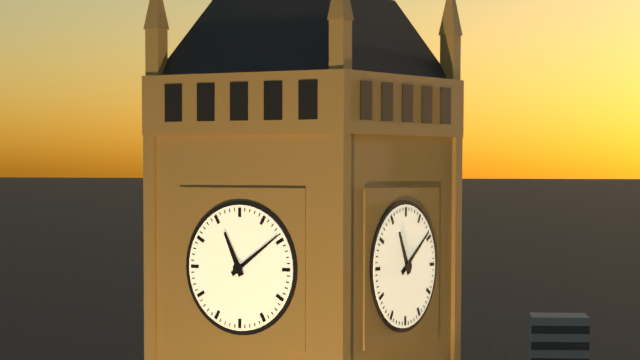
11:09
